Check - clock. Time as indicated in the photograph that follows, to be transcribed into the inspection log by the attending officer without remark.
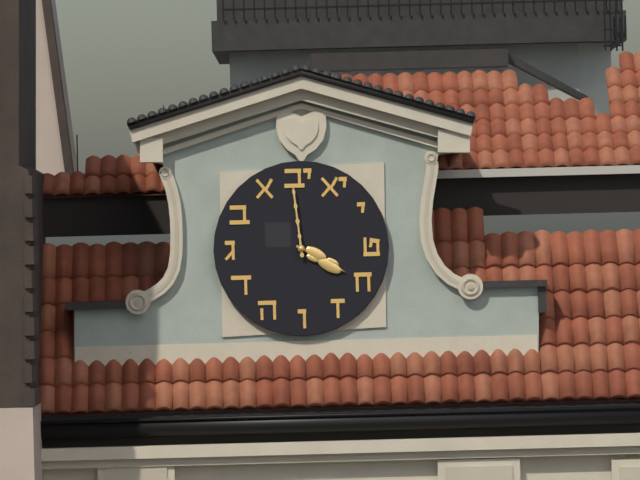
3:59
